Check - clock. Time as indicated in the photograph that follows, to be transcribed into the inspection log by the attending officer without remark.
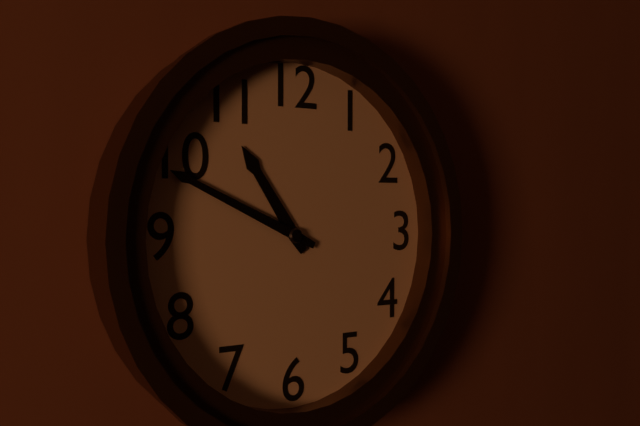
10:49
